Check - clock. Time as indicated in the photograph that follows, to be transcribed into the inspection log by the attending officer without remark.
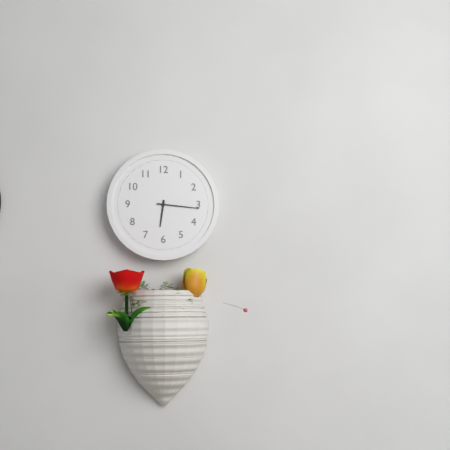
6:16
